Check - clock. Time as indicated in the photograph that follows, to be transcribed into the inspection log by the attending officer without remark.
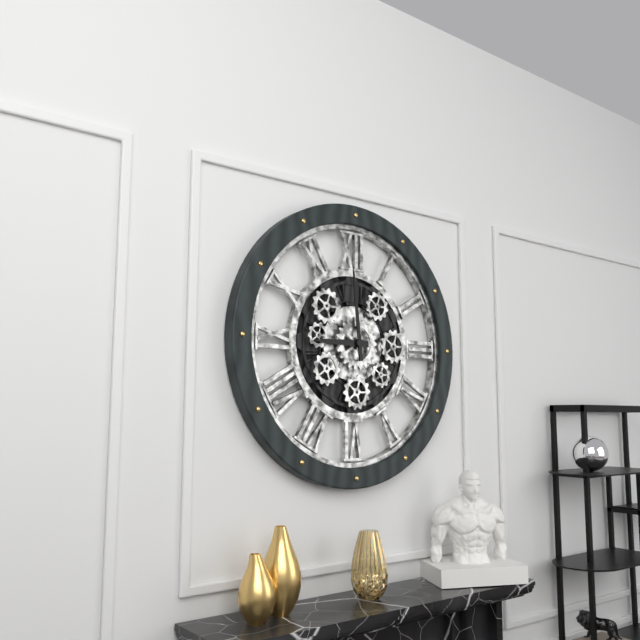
8:59
